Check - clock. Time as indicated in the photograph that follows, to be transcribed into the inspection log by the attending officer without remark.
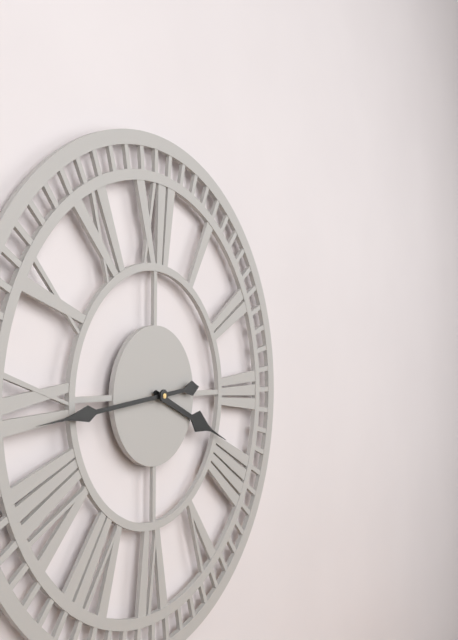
3:44
